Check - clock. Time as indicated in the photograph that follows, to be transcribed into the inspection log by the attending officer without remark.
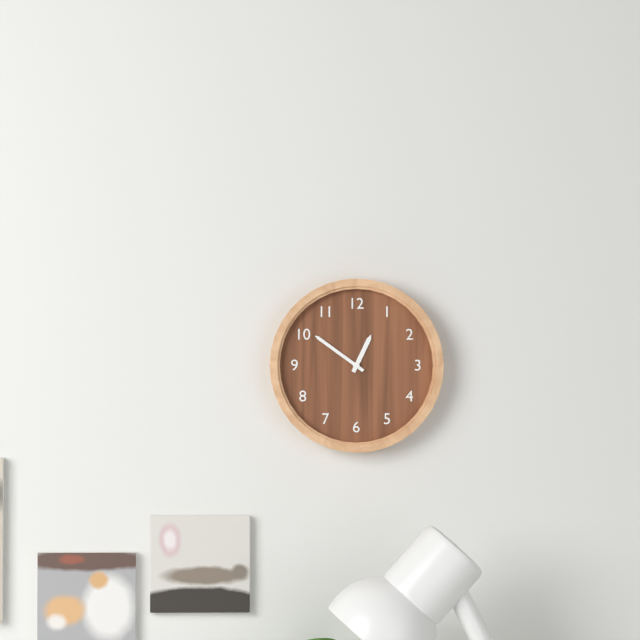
12:51
